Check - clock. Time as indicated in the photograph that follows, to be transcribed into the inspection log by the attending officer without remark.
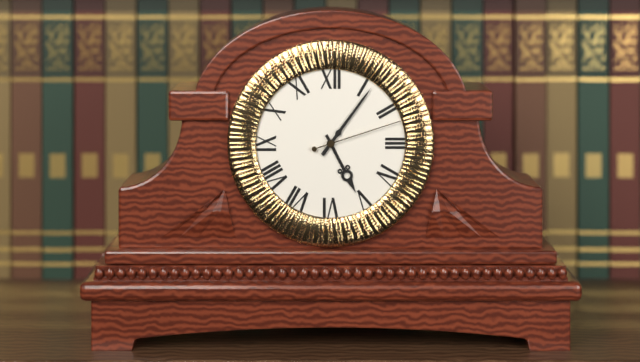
5:06:12
